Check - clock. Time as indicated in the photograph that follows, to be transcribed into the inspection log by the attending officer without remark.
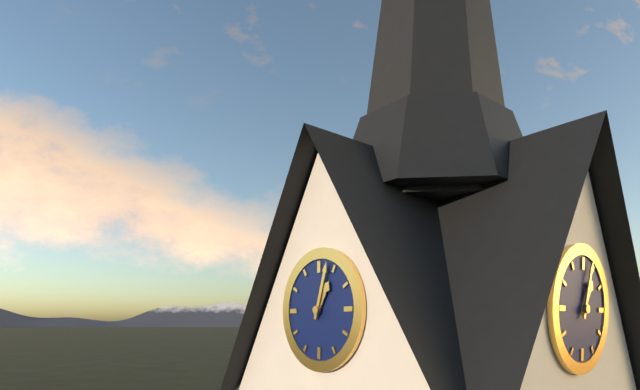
1:03
